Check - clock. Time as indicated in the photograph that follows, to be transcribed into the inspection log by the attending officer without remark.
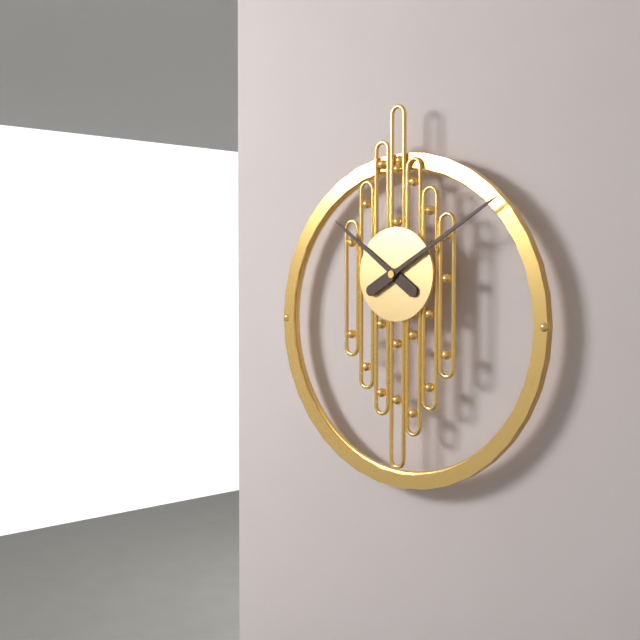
10:10
